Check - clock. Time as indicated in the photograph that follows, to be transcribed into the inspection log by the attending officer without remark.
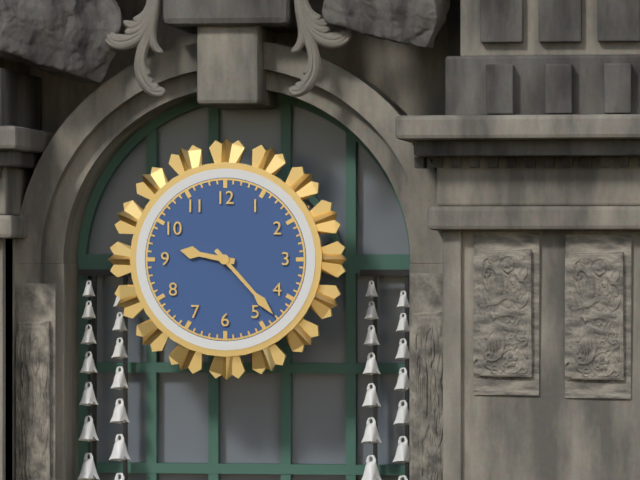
9:23
